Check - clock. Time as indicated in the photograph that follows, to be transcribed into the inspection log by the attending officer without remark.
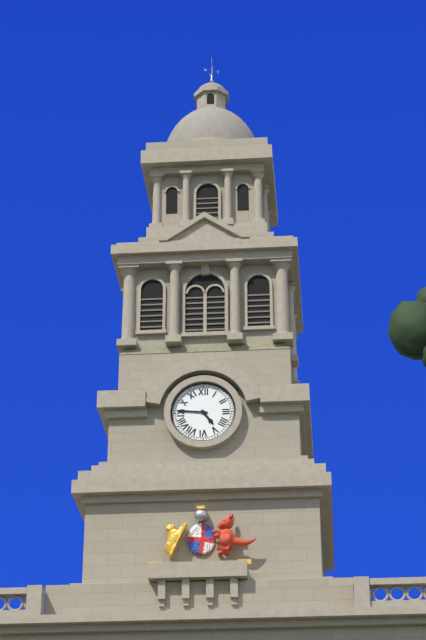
4:46
